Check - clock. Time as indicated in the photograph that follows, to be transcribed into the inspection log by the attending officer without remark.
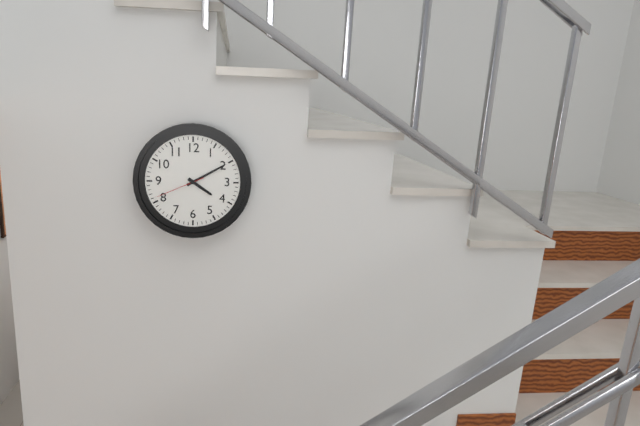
4:10:41
